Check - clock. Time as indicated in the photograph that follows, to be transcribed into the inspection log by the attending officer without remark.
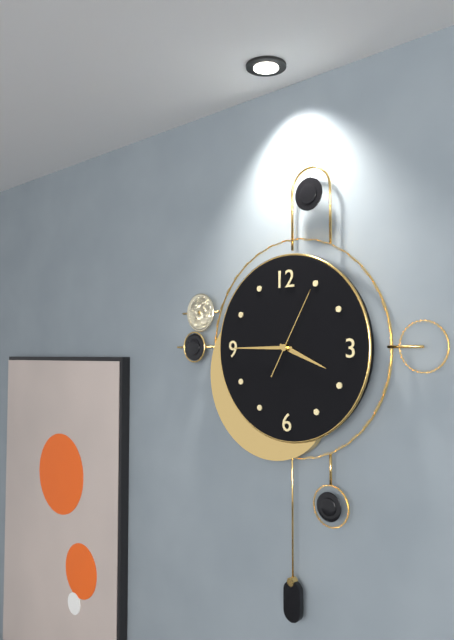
3:45:05
